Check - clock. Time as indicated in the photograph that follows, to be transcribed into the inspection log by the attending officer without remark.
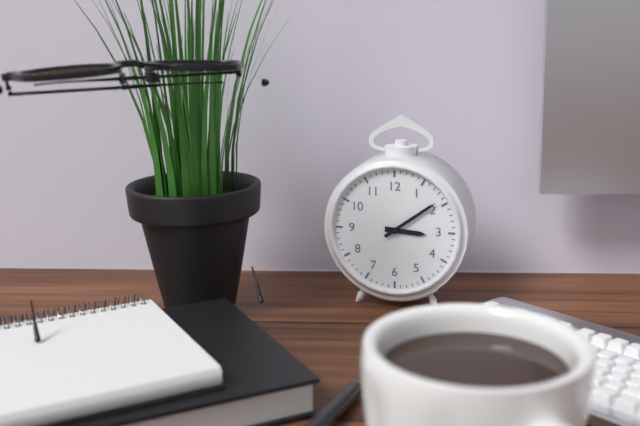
3:09
